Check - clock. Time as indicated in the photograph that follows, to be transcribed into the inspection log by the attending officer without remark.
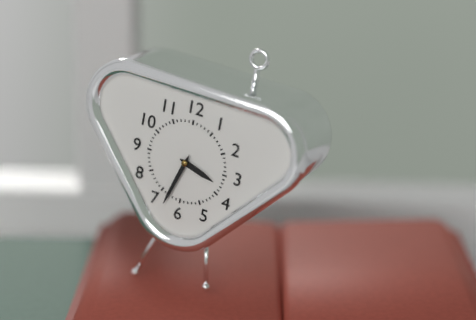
3:33
